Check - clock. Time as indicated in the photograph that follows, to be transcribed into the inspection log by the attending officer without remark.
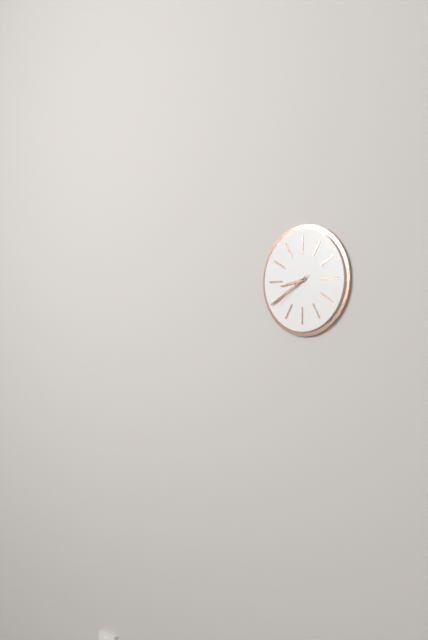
8:40
